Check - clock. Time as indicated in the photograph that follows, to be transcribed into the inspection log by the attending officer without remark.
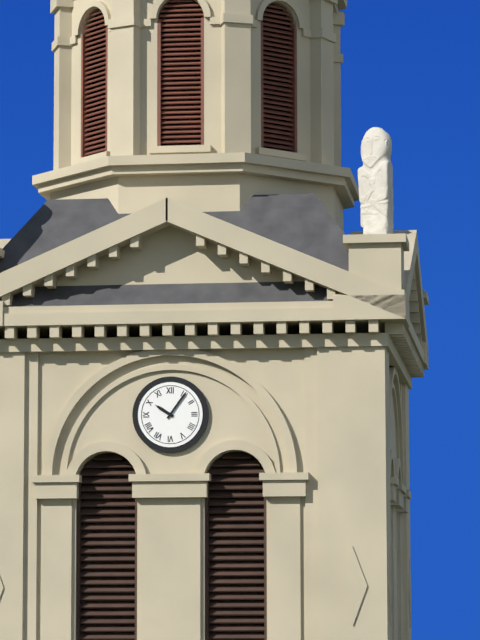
10:06
